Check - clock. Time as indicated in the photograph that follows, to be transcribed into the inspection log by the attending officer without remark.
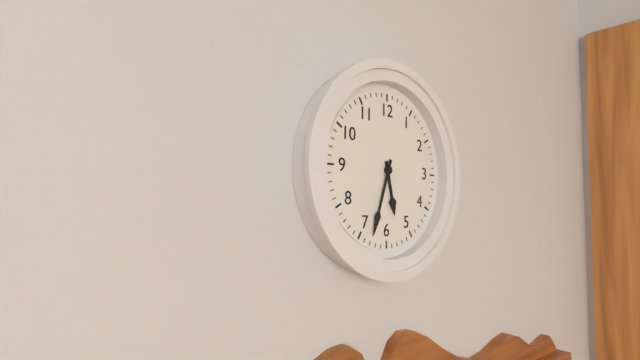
5:33
